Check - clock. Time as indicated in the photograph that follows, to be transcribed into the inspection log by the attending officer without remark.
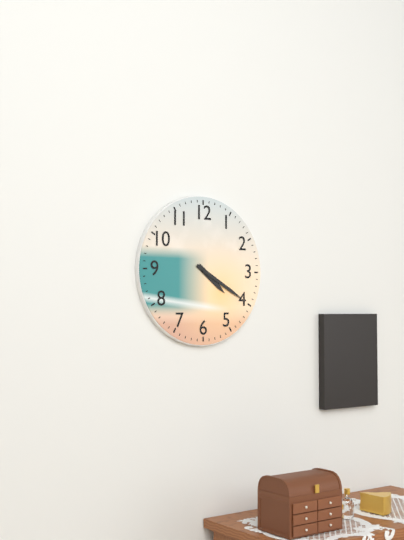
4:20
